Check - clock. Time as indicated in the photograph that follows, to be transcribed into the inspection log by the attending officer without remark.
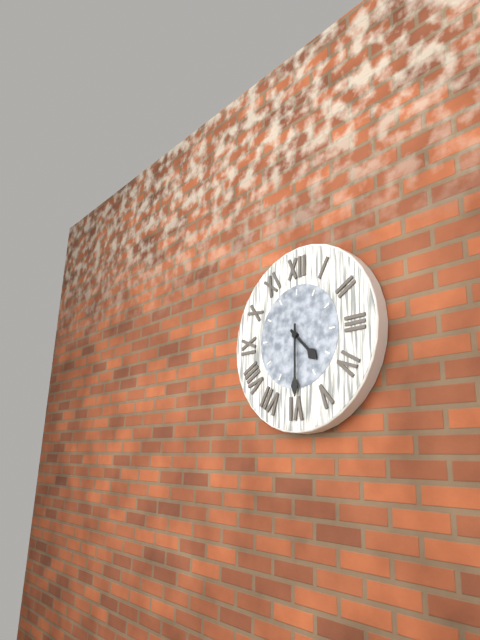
4:30
